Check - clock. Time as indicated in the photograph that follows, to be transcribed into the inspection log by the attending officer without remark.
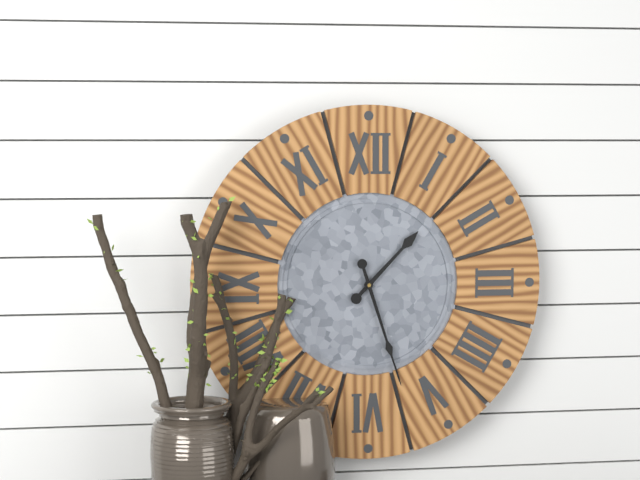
1:27
